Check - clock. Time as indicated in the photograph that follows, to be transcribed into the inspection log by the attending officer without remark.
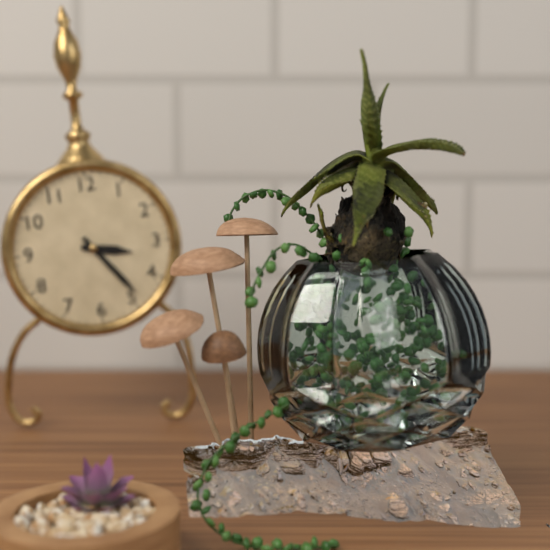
3:24
